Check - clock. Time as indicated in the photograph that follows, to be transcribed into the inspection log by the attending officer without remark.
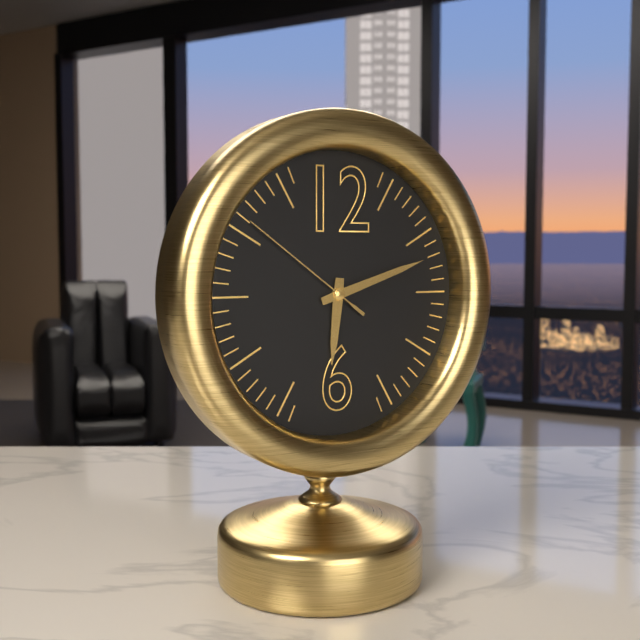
6:12:51
